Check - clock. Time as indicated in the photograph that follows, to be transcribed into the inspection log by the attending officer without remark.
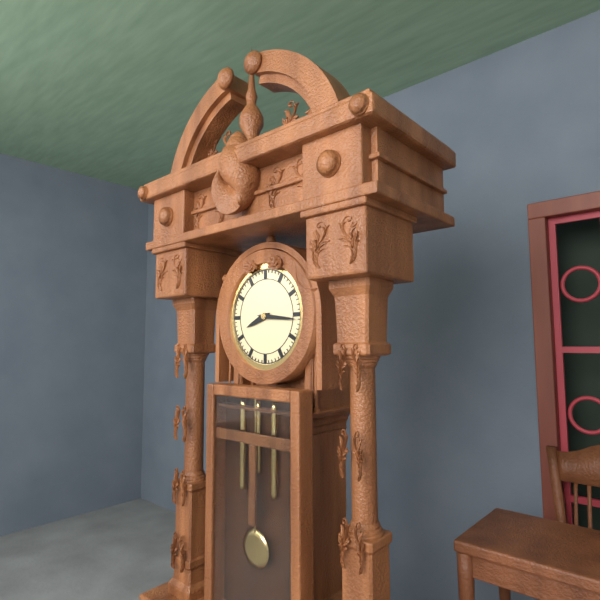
8:16
